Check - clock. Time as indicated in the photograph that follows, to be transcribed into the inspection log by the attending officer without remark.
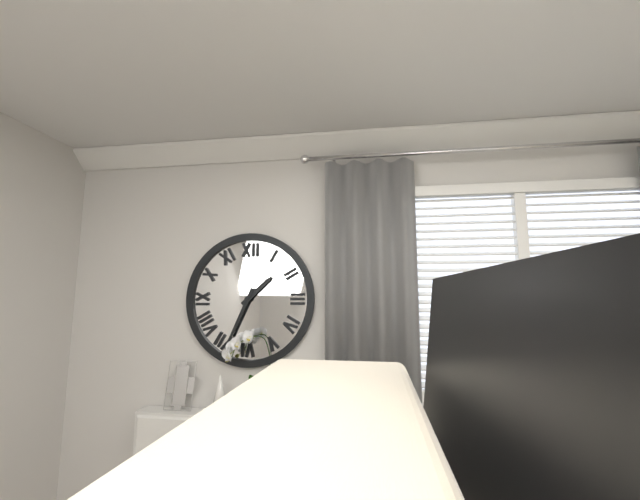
1:34
